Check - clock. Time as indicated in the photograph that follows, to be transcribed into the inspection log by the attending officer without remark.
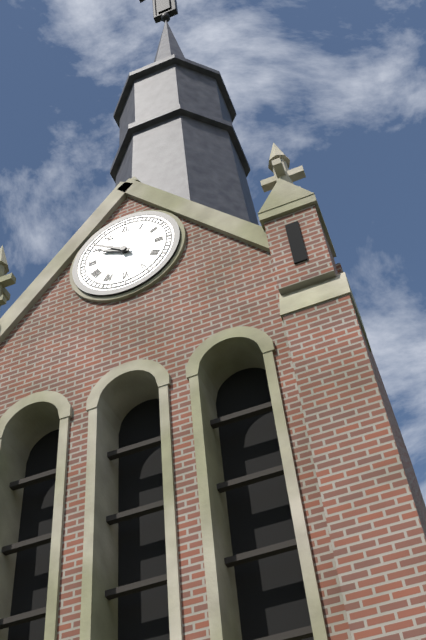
9:51
